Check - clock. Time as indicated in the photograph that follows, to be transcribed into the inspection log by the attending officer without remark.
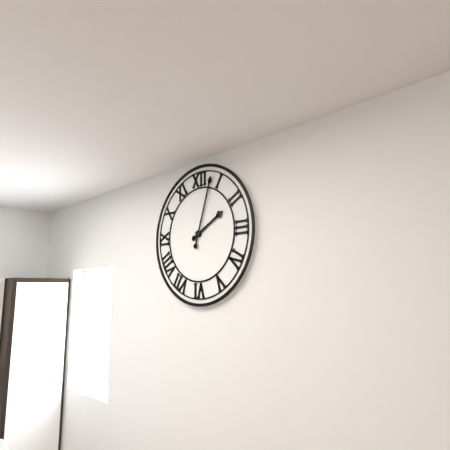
2:03
